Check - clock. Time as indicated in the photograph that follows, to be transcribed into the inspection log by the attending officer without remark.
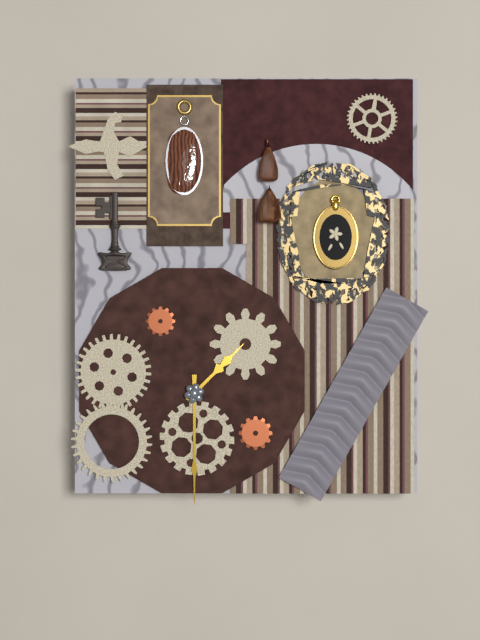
1:30
